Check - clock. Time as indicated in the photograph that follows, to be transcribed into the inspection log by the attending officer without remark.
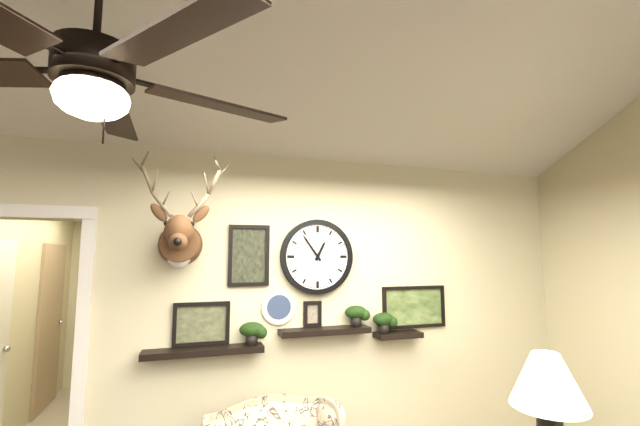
12:54
